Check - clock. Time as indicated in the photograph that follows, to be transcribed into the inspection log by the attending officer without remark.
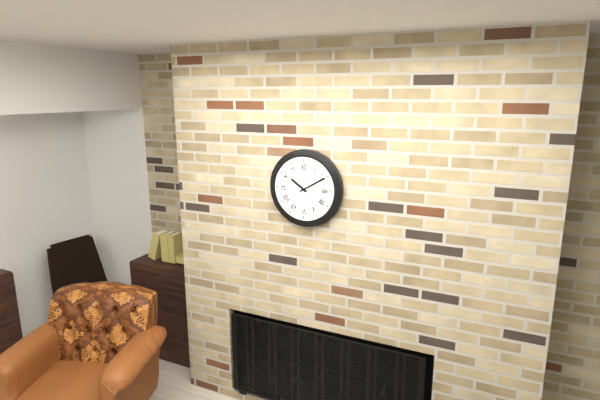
10:10
